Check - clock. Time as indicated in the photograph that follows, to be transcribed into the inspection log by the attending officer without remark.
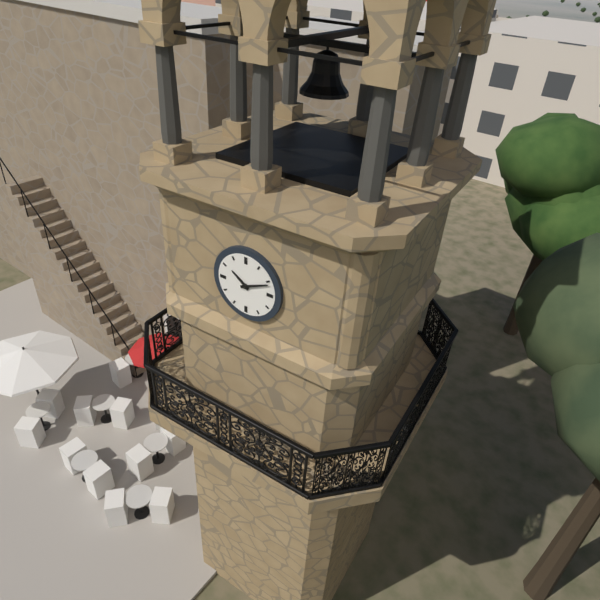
10:11
